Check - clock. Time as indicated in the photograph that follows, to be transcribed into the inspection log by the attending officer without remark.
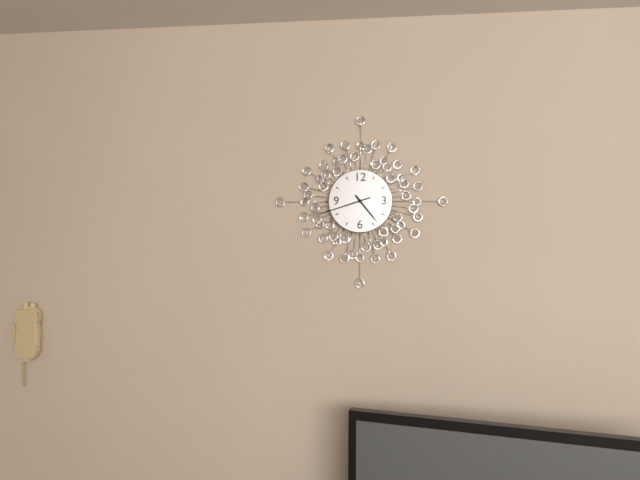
4:42
